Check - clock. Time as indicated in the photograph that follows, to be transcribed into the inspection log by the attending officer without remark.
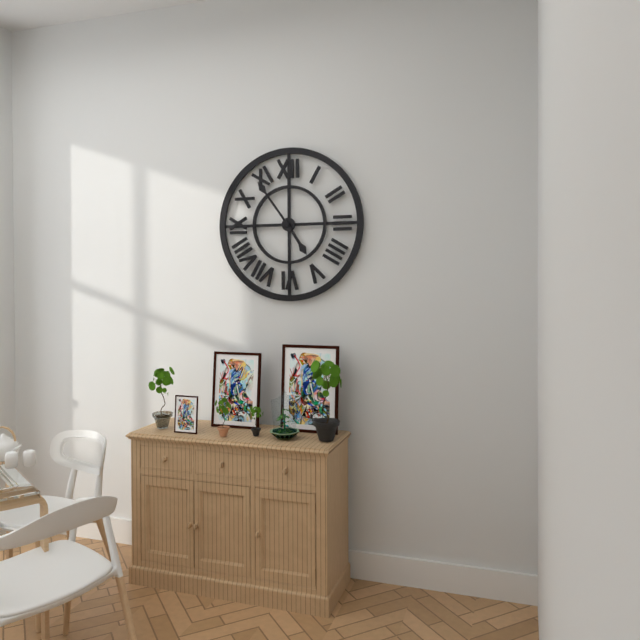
4:54
